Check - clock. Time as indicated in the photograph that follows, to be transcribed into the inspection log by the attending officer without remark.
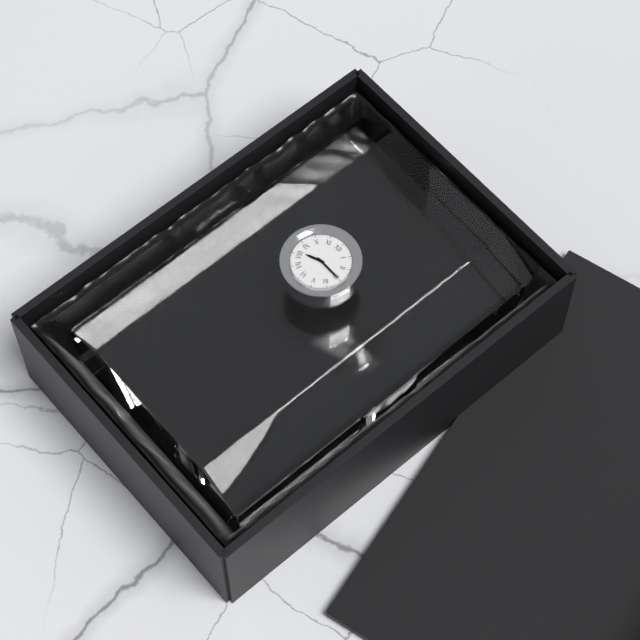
8:15
